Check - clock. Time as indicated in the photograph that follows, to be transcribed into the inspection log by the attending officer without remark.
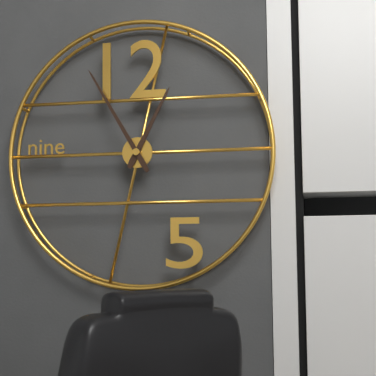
12:55
